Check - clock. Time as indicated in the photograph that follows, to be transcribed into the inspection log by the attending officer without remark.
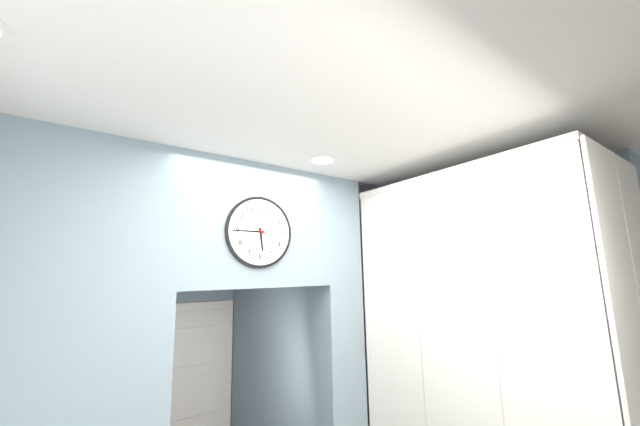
5:45
